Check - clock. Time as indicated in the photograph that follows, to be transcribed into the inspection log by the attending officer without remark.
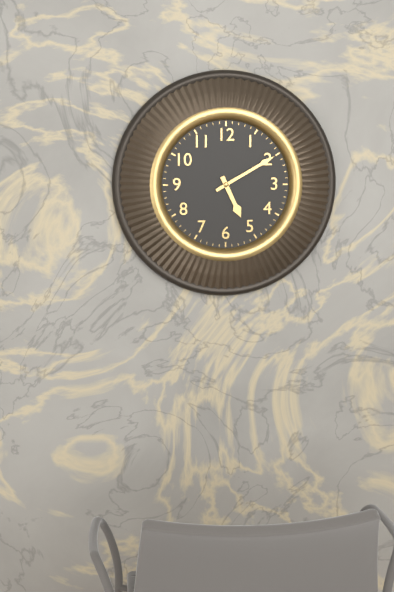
5:10
